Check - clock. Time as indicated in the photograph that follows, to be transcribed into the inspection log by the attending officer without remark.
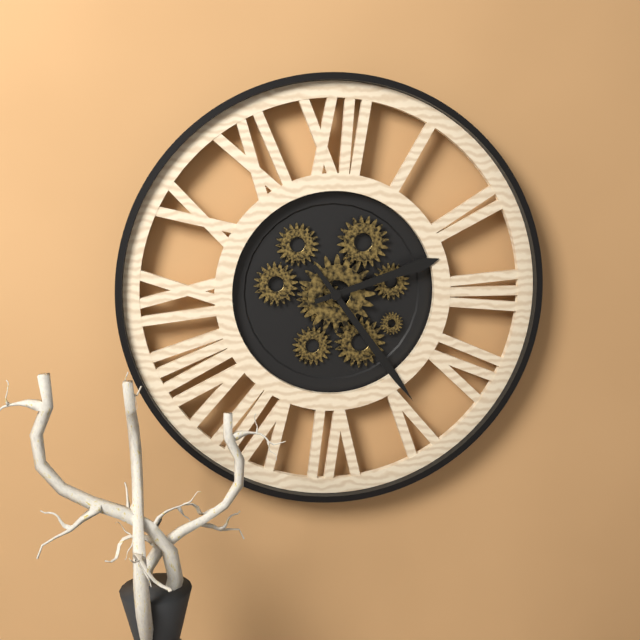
2:24
